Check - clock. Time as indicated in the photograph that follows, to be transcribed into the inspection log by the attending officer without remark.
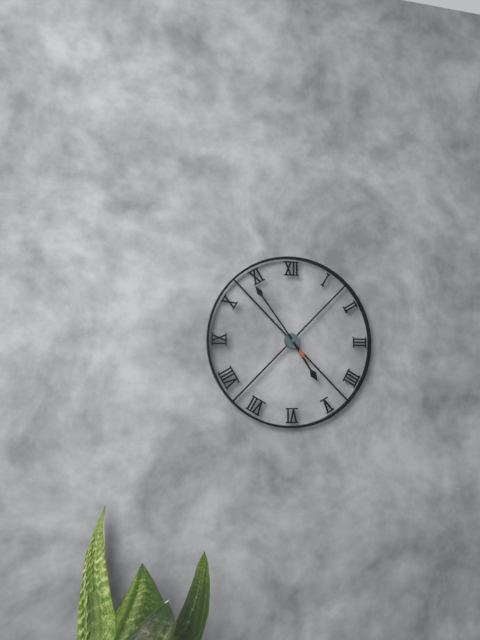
4:54
